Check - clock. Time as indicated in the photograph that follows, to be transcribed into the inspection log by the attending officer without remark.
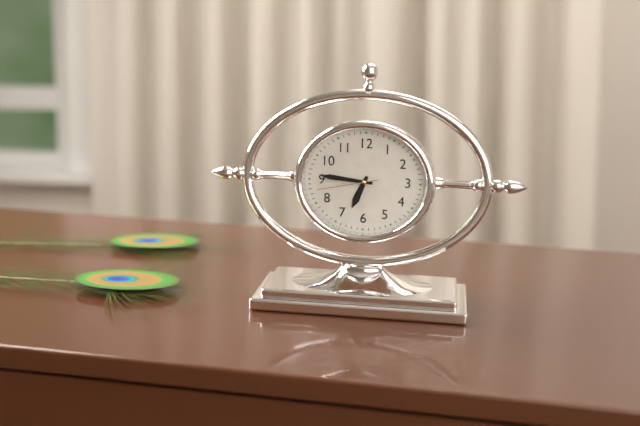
6:46:43
